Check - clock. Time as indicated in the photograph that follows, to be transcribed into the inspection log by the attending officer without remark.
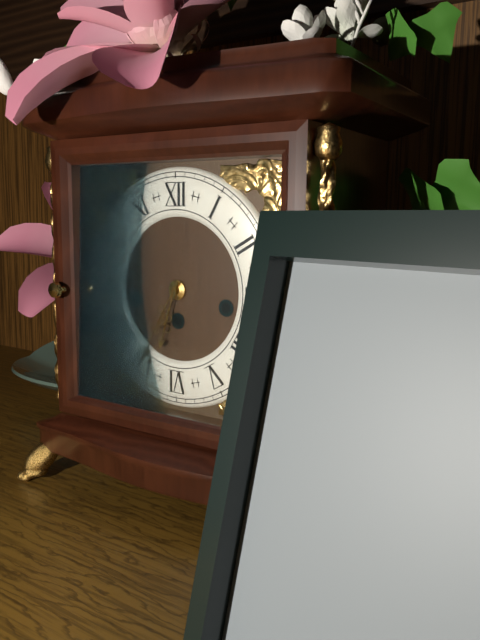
6:35
